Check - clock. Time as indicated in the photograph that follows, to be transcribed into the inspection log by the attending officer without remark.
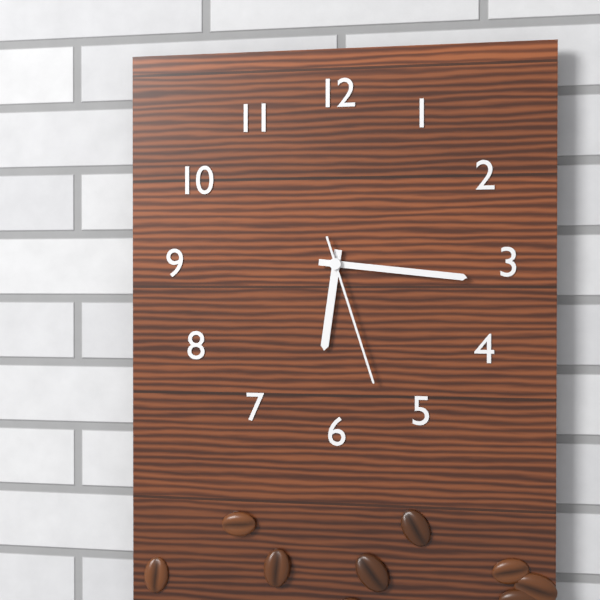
6:16:27
